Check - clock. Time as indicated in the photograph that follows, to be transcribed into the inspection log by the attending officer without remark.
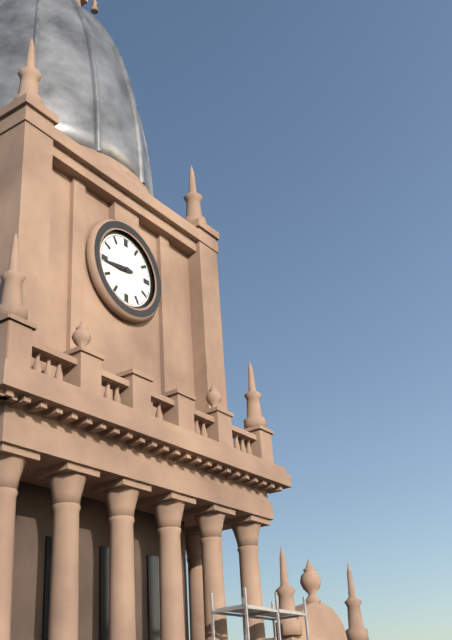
8:44
